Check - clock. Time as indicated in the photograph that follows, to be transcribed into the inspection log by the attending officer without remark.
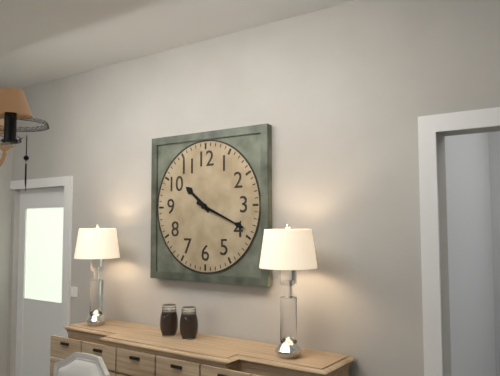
10:19
